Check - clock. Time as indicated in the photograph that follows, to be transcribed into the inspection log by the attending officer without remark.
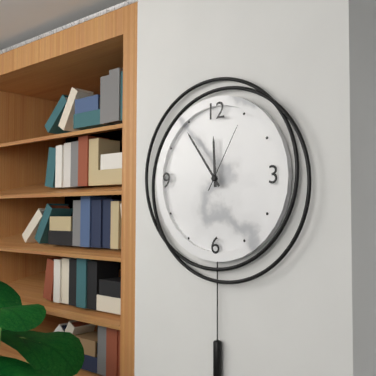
11:54:05
